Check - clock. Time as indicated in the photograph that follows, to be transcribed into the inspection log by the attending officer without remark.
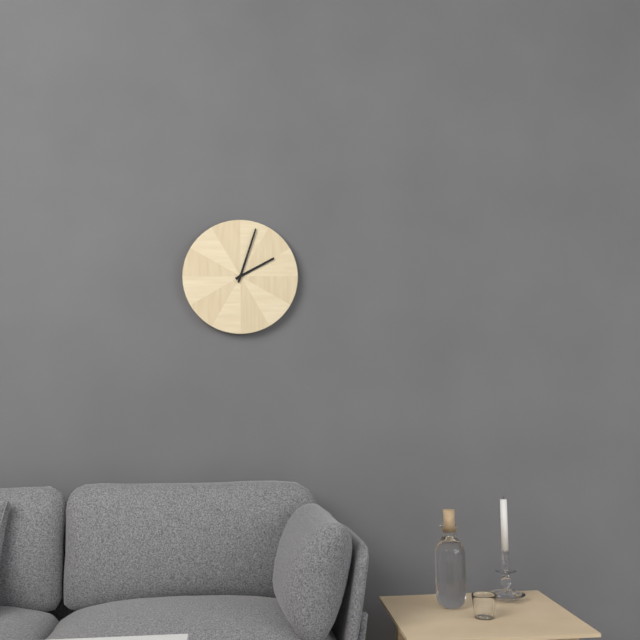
2:03
